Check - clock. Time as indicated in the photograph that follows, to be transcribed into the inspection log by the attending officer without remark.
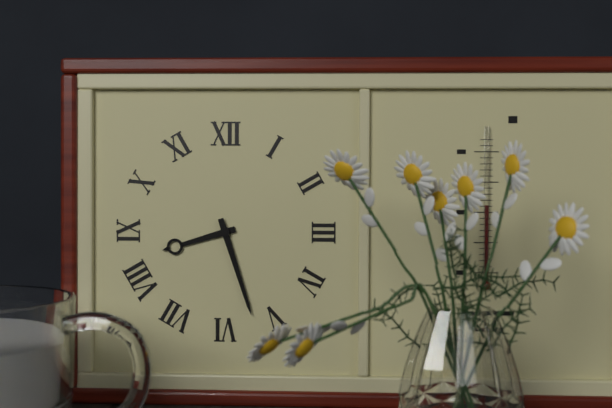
8:27
